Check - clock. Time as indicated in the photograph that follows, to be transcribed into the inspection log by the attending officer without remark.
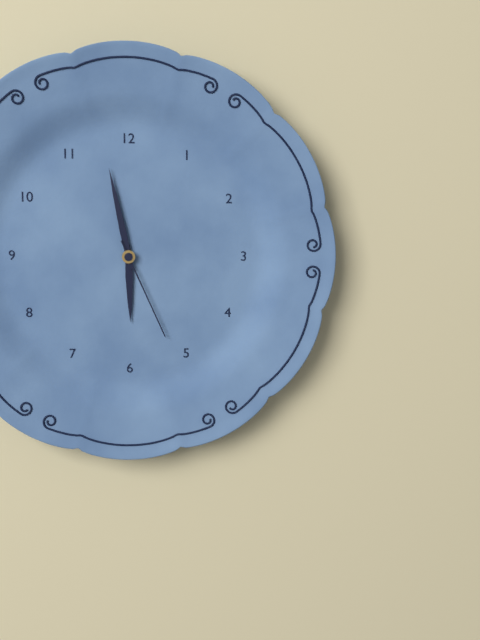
5:58:26
